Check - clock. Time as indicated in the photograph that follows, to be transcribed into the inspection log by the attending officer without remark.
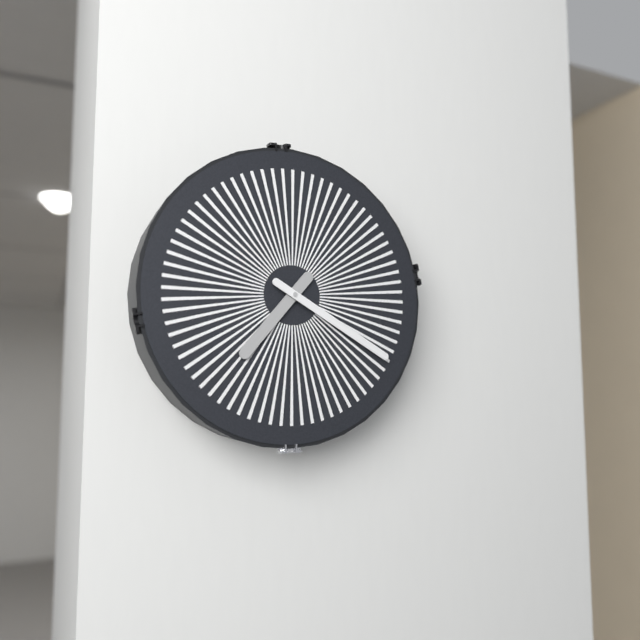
7:20
